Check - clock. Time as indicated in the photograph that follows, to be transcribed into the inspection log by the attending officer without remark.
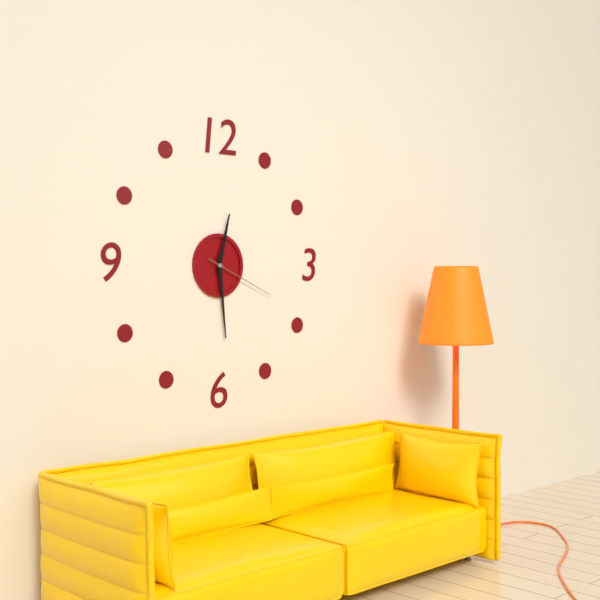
12:29:19
